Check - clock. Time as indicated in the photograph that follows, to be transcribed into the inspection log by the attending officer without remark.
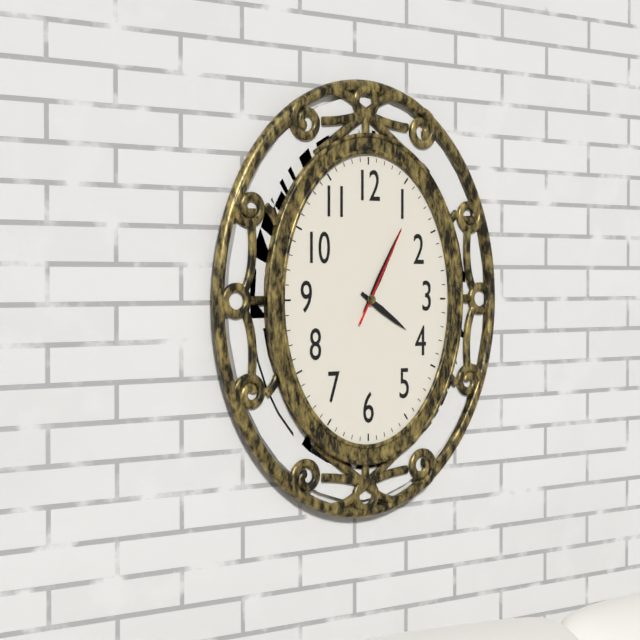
4:05:05
